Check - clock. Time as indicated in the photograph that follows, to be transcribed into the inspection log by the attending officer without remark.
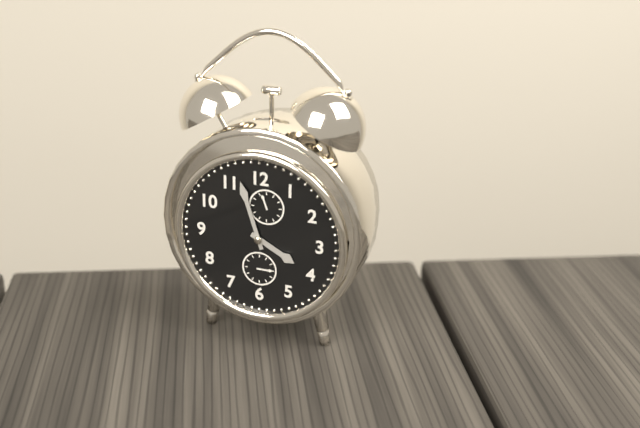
3:57
